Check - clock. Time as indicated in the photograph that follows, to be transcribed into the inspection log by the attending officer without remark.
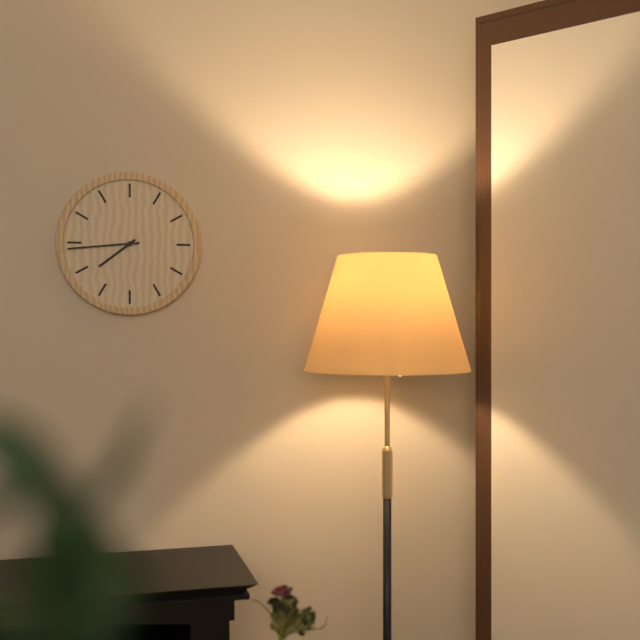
7:44
